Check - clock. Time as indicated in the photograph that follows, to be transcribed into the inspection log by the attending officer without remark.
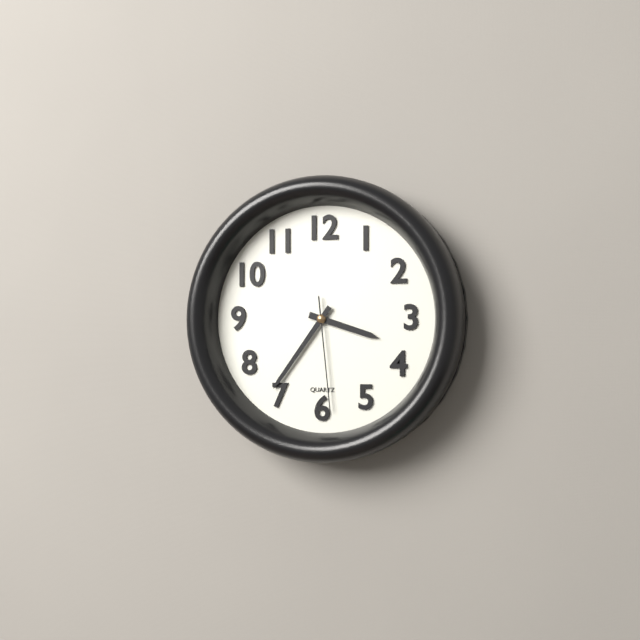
3:36:29
